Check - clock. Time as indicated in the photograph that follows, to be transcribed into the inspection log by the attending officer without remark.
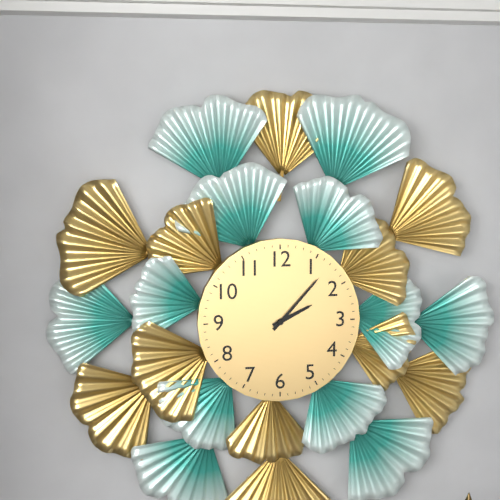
2:07
